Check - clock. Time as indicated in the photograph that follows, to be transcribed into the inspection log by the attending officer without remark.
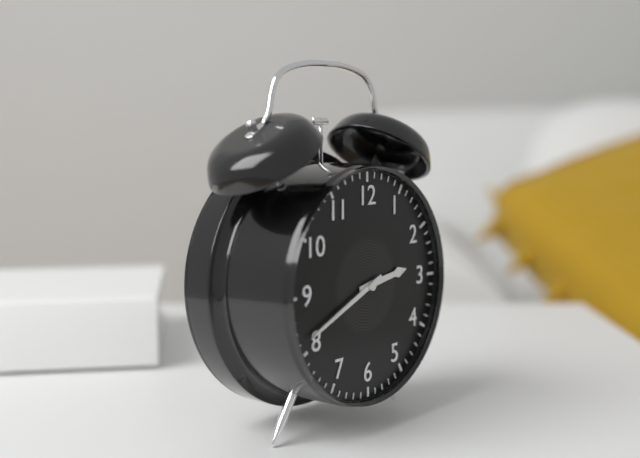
2:41
